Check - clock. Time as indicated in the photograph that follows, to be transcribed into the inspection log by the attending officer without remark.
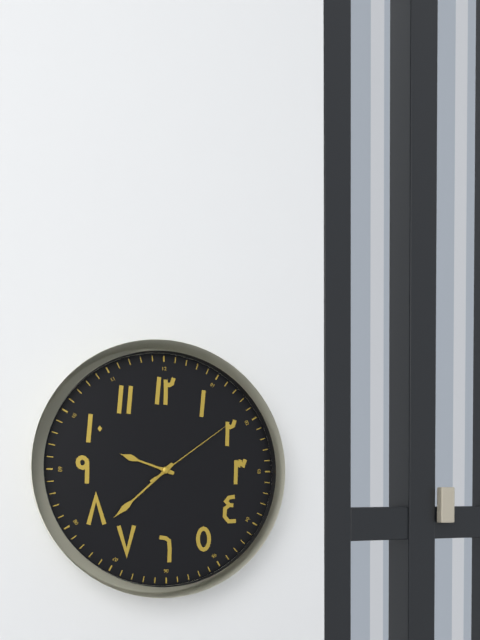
9:38:09
